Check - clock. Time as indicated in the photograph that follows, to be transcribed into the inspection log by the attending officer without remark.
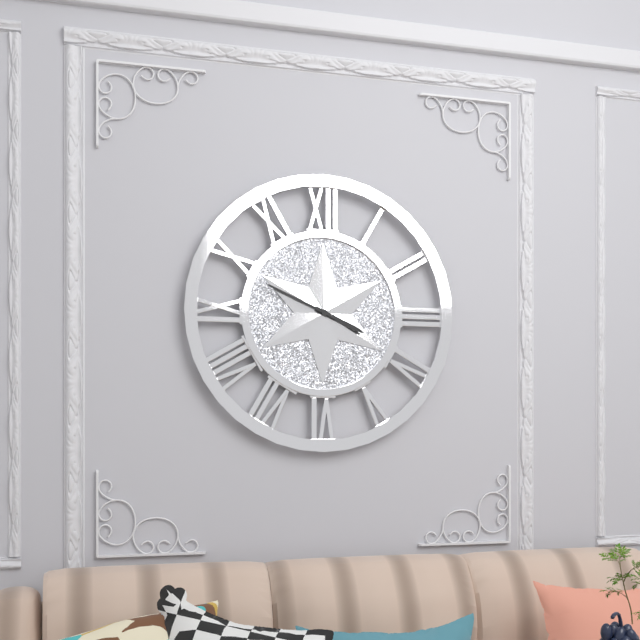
3:49
